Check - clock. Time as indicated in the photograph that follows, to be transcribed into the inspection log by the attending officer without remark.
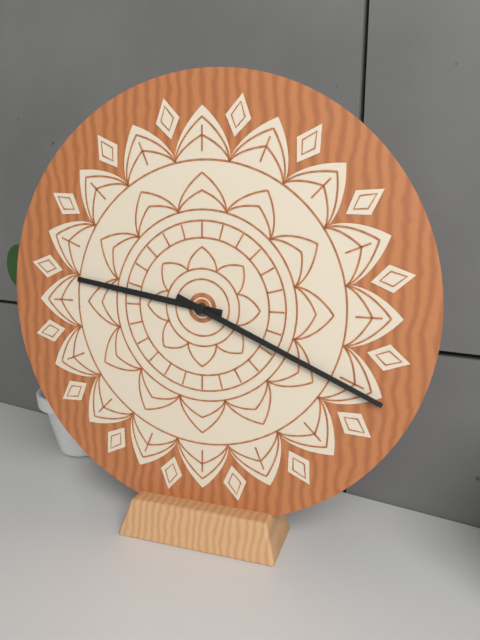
9:19
